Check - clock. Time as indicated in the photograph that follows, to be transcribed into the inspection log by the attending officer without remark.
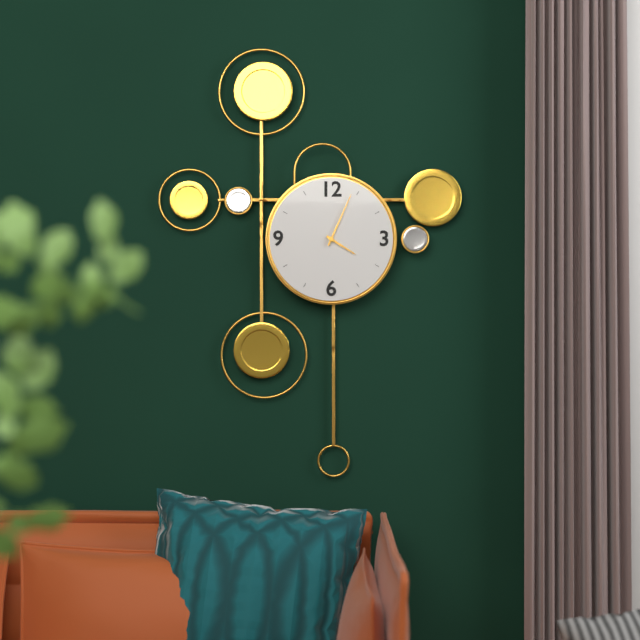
4:04
